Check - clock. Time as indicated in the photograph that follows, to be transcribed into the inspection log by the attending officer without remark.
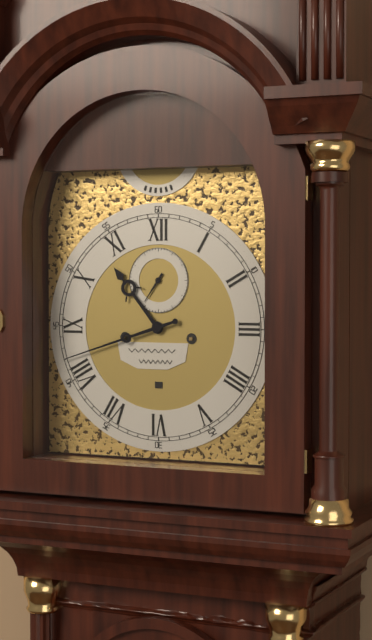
10:42
